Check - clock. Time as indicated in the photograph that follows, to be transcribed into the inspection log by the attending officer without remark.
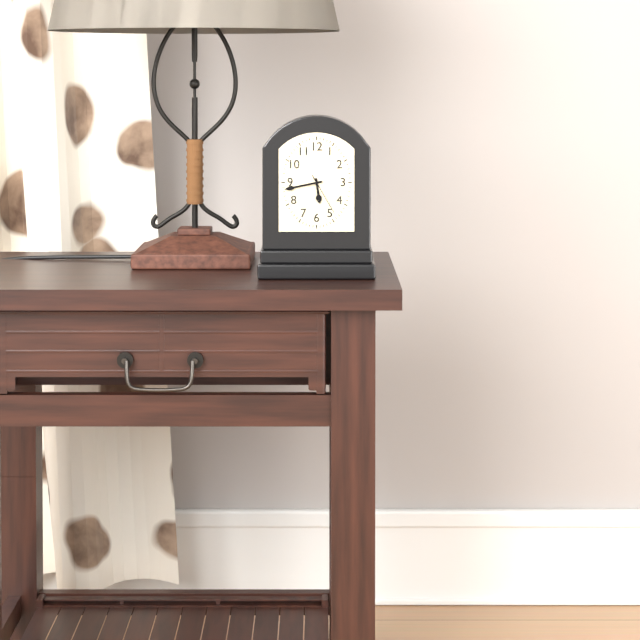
5:43
